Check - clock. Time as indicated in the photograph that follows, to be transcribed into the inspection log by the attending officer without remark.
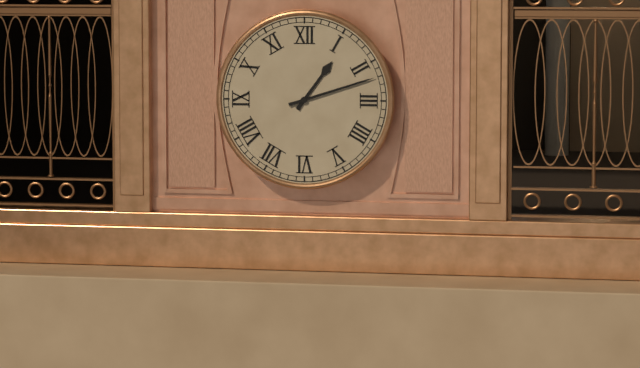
1:12
